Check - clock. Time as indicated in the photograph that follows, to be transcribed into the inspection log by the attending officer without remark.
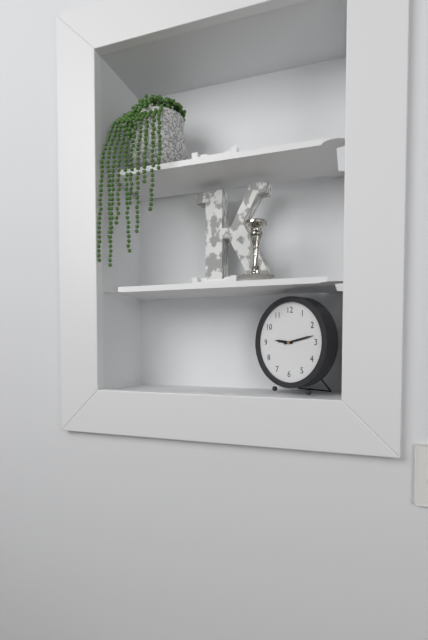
9:13
